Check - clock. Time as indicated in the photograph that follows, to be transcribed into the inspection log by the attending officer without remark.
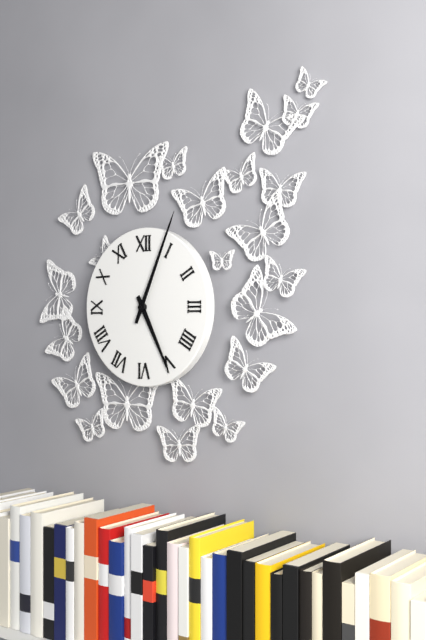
5:04
